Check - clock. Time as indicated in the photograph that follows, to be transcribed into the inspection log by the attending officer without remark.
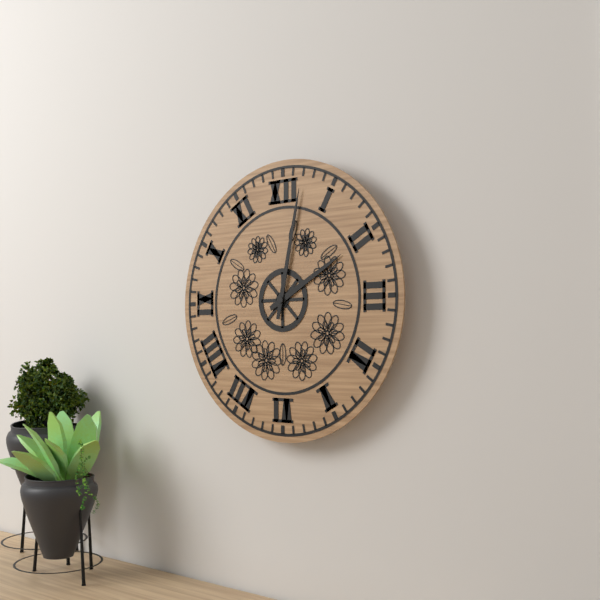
2:02
